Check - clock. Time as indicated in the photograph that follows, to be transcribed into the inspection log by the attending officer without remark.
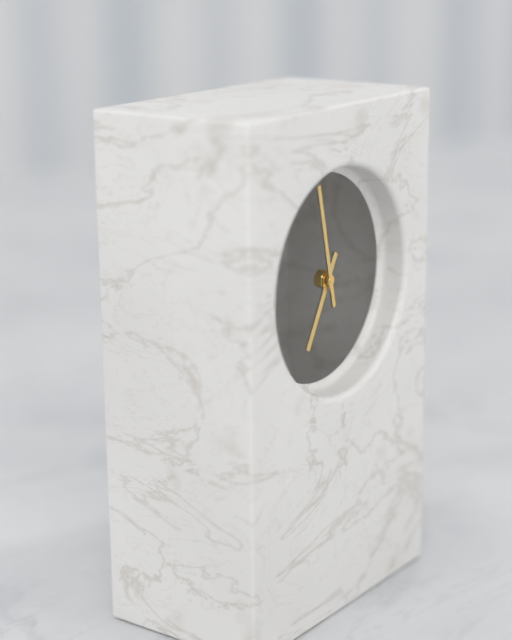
6:58
